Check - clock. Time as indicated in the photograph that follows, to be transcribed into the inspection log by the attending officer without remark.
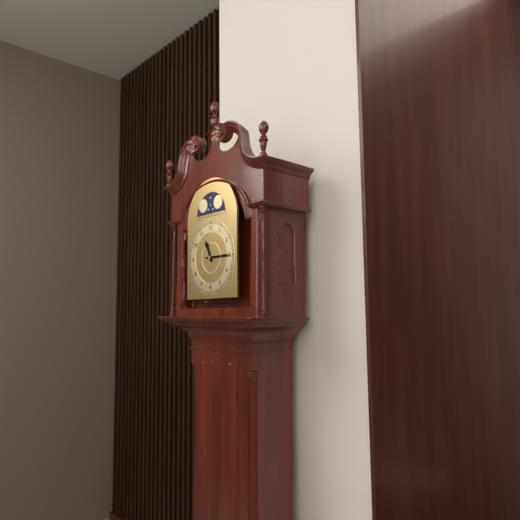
11:15
